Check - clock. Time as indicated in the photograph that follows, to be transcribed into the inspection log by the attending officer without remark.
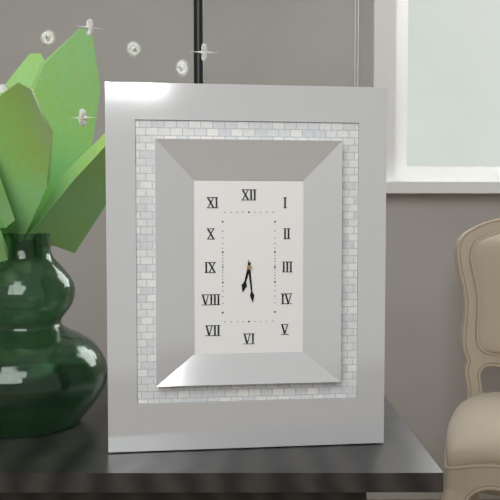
6:29
